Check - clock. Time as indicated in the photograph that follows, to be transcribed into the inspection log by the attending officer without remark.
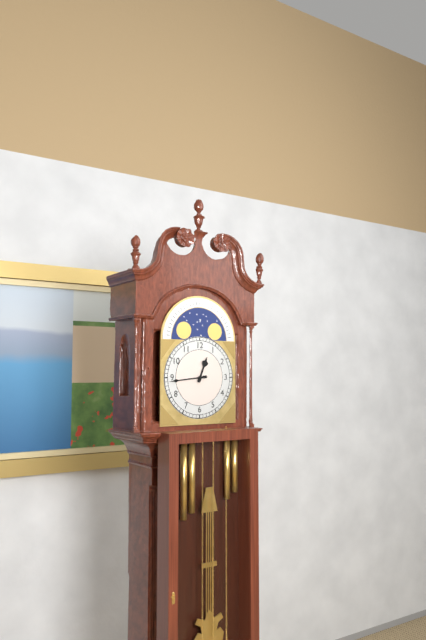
12:44
